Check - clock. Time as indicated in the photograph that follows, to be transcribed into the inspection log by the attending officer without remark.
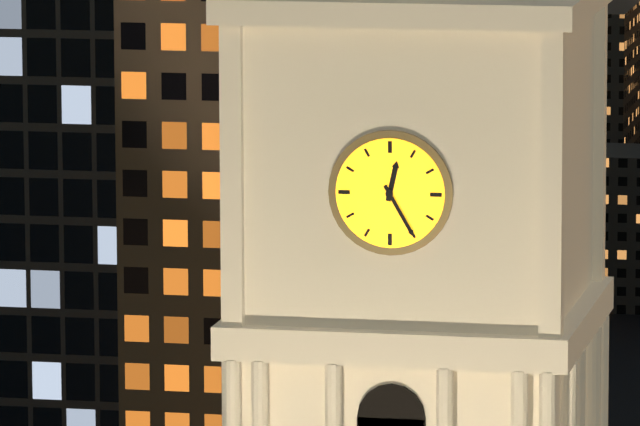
12:25
